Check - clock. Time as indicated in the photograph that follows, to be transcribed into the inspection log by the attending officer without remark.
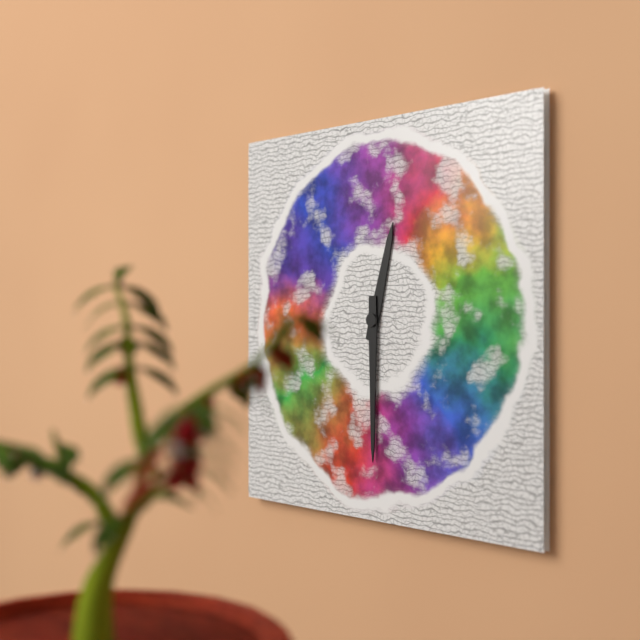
12:30
